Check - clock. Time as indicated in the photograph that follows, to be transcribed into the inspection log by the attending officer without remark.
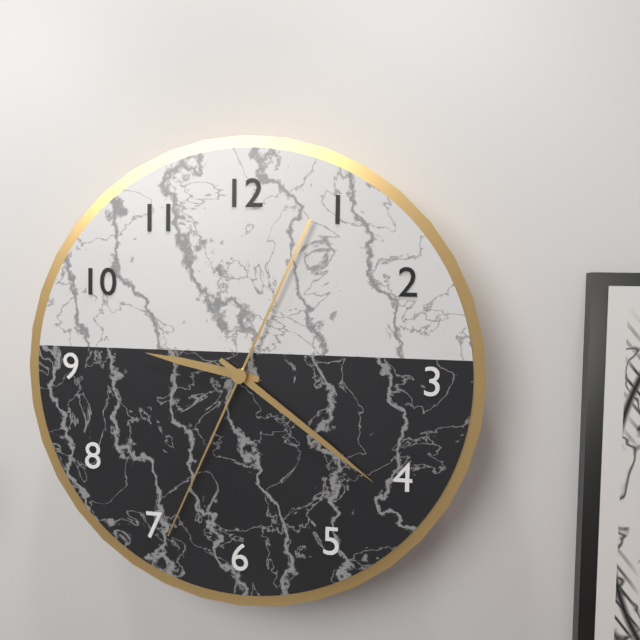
9:21:34
